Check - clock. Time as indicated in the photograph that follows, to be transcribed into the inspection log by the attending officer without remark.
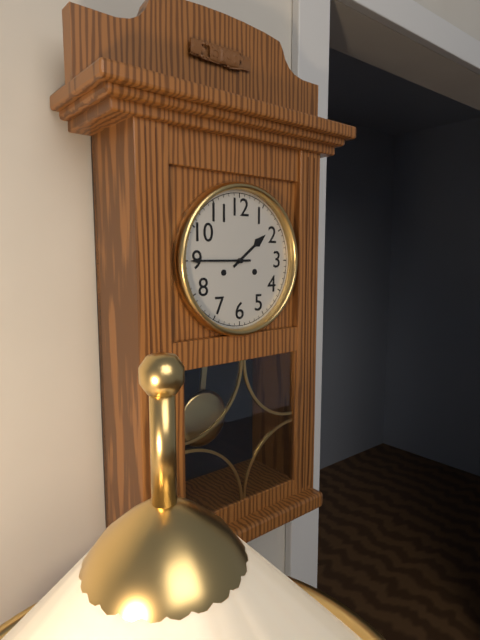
1:45
